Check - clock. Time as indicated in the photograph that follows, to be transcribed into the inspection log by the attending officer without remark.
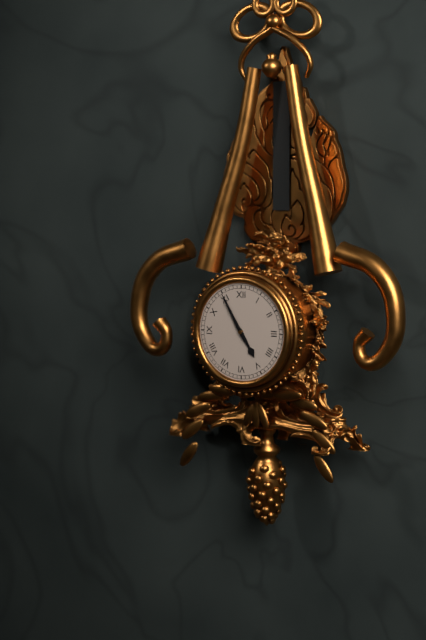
4:55
